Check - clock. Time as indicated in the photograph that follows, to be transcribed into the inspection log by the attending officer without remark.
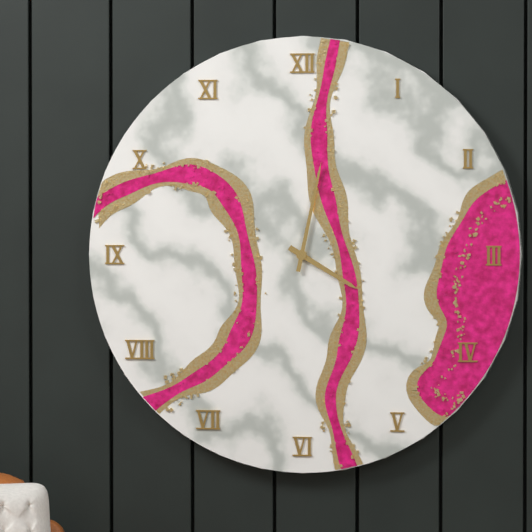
4:02
